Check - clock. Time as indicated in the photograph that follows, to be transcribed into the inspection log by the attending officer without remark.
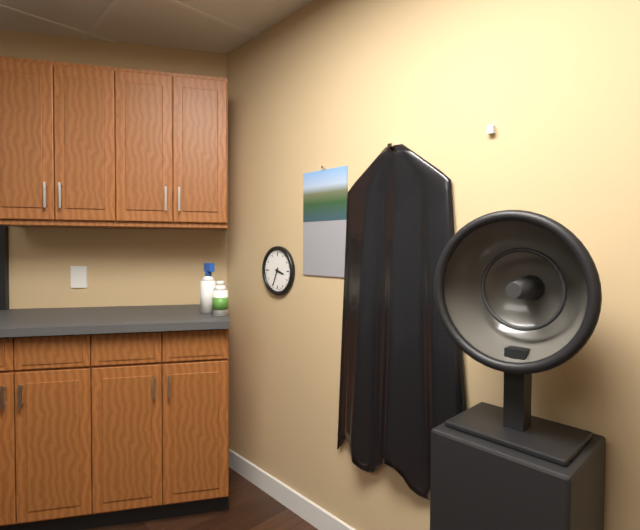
3:34
